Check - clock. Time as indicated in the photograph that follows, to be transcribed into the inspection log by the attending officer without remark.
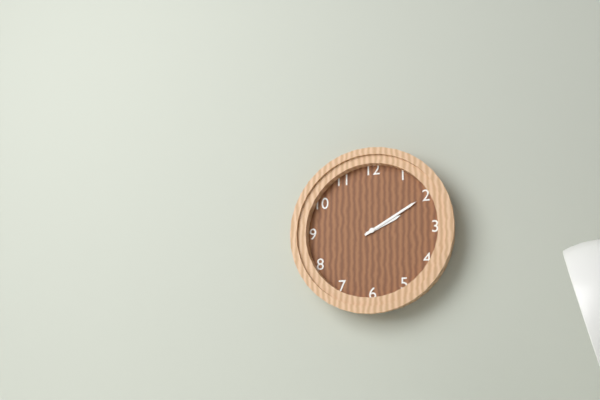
2:10
